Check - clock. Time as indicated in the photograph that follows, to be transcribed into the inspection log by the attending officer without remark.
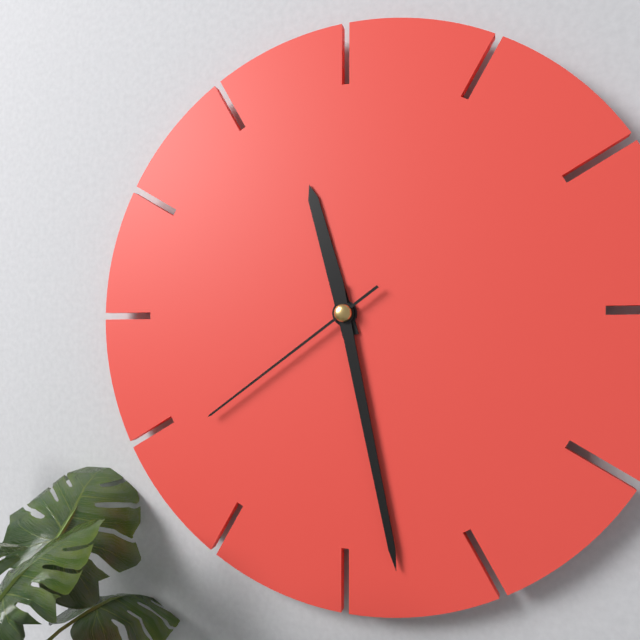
11:28:39
